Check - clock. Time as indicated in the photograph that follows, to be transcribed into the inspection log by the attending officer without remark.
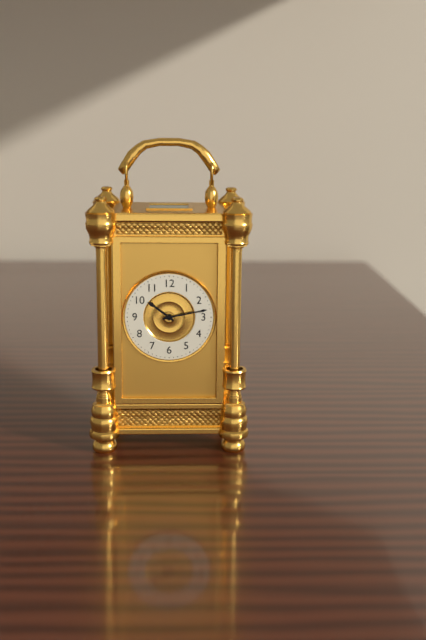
10:13
